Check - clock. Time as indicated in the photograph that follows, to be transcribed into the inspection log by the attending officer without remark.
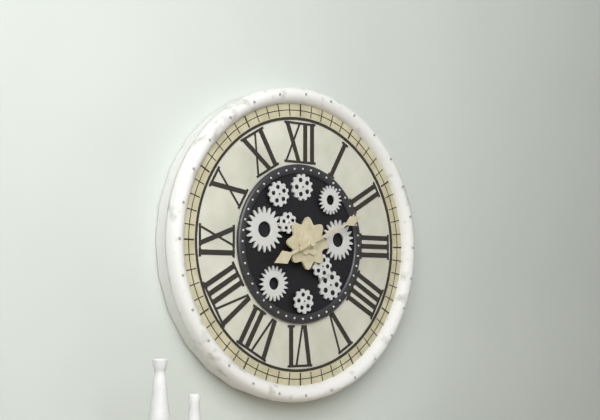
8:11
